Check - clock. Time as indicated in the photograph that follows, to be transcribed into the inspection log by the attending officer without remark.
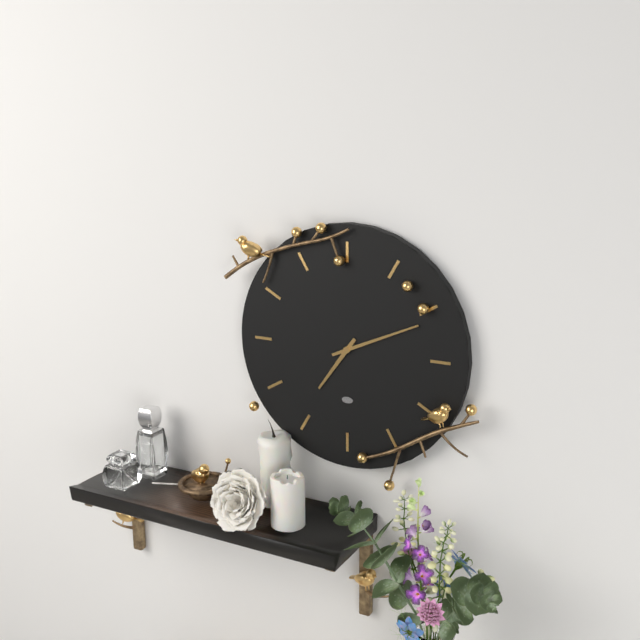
7:11
